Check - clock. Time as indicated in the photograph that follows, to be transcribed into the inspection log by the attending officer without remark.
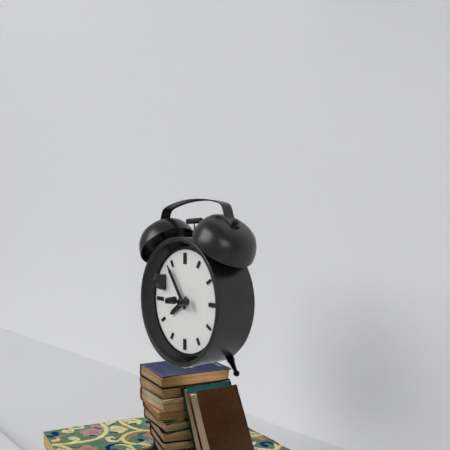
7:54
